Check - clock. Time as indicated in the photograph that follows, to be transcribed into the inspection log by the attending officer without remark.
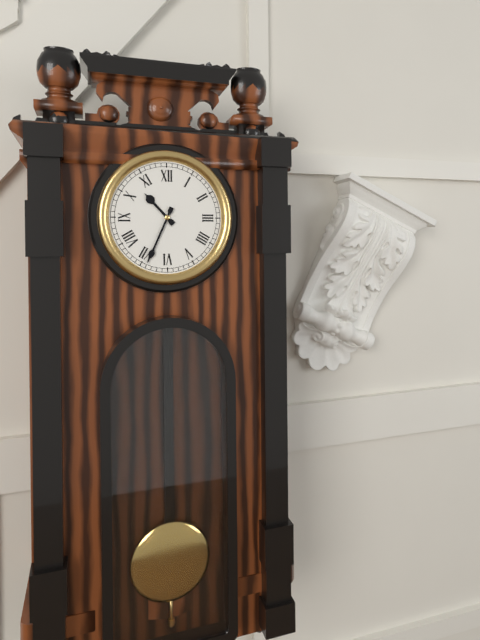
10:34
